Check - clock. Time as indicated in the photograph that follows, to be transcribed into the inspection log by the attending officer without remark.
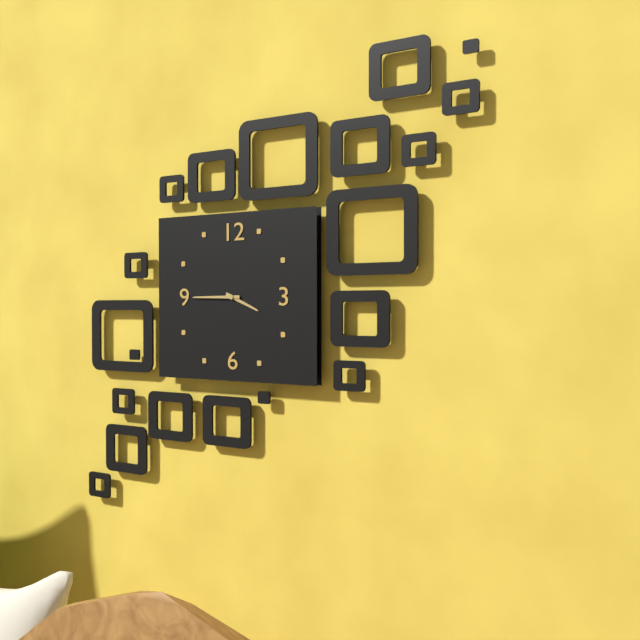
3:45
